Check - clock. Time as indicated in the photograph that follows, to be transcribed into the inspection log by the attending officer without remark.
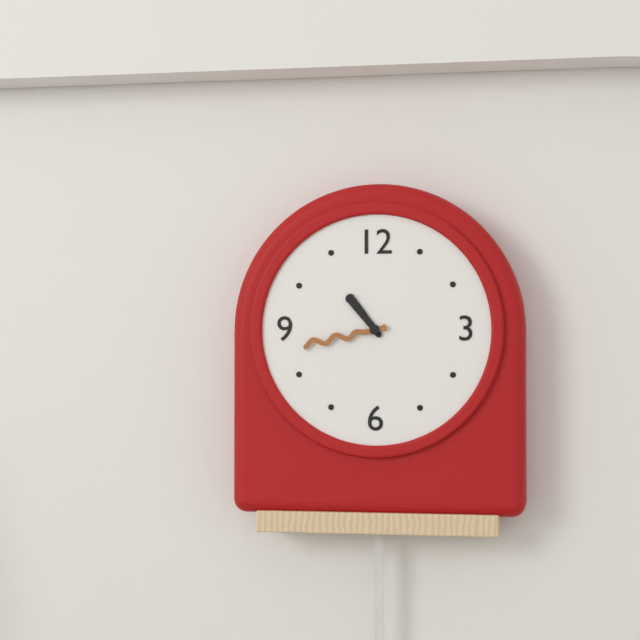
10:43
